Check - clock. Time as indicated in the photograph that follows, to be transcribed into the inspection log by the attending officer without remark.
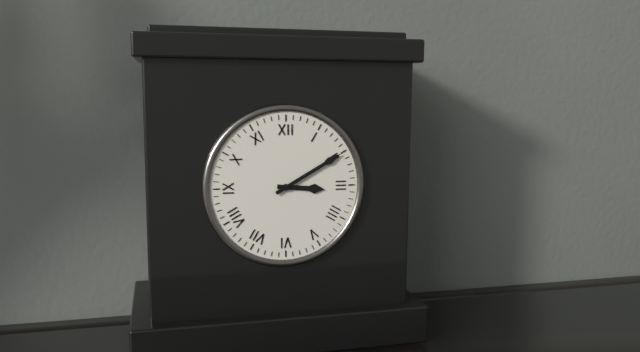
3:10
